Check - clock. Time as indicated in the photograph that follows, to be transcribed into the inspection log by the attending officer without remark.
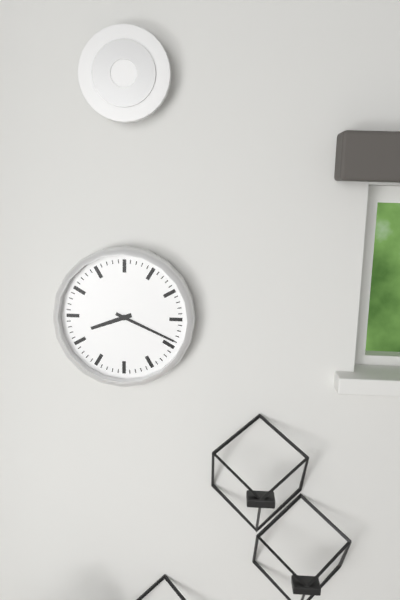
8:19
